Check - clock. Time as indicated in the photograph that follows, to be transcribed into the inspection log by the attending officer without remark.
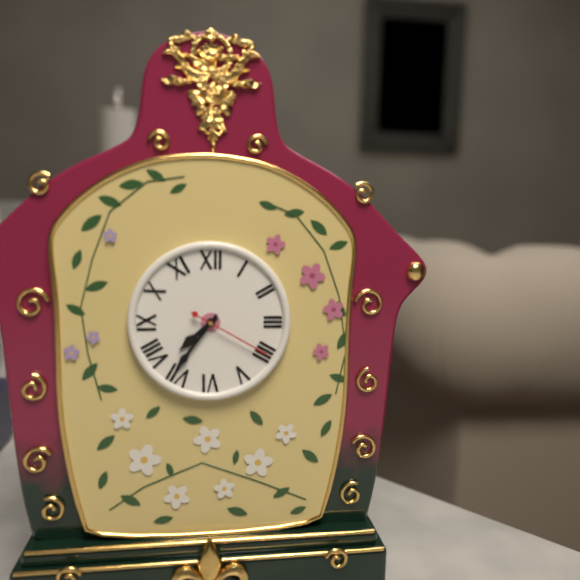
7:36:20
